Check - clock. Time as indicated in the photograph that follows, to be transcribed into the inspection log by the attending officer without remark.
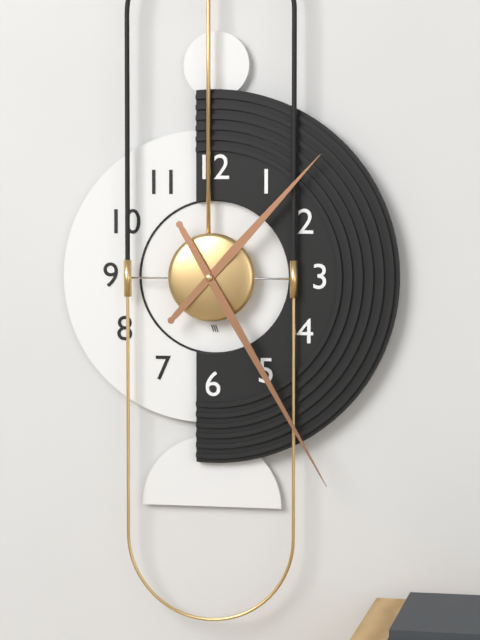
1:25
